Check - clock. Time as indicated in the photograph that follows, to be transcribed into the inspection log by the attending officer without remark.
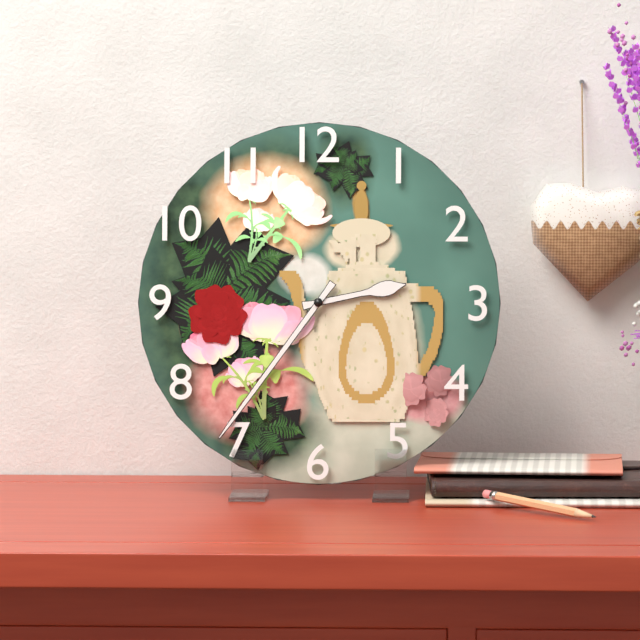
2:36
